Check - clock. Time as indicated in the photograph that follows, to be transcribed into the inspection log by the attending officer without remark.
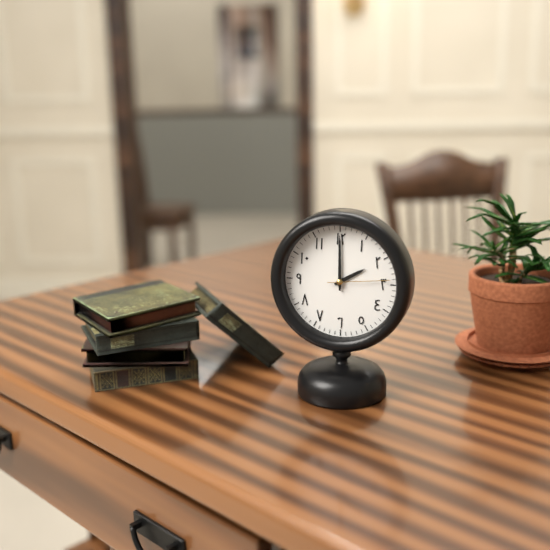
2:00:14
